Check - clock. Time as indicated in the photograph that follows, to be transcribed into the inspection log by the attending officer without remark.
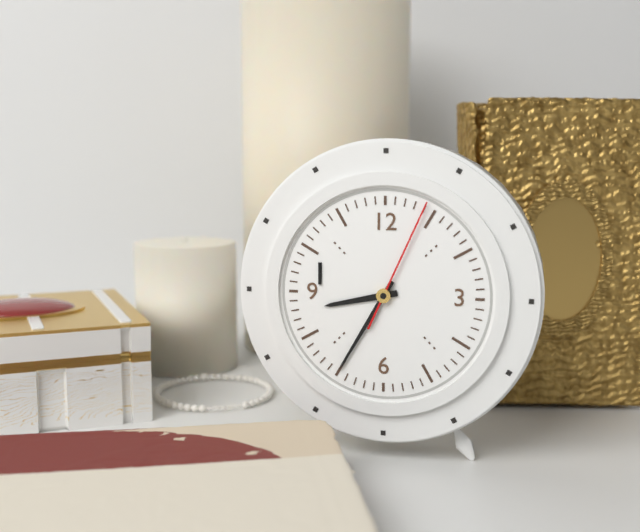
8:35:04
